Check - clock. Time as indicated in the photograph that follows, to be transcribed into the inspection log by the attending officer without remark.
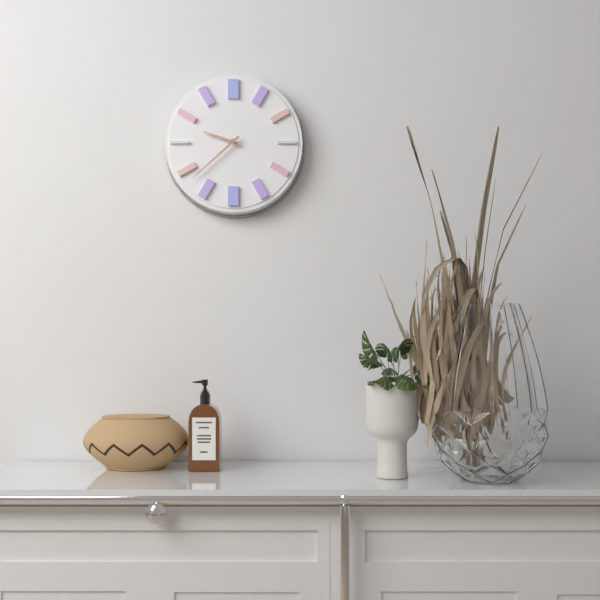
9:38
